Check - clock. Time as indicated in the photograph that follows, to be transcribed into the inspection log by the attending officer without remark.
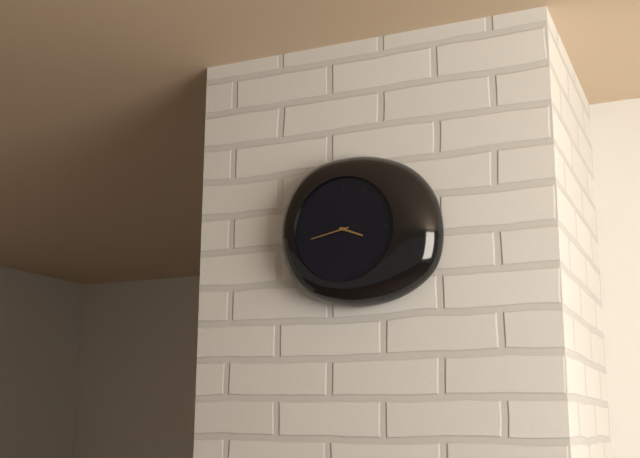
3:43
